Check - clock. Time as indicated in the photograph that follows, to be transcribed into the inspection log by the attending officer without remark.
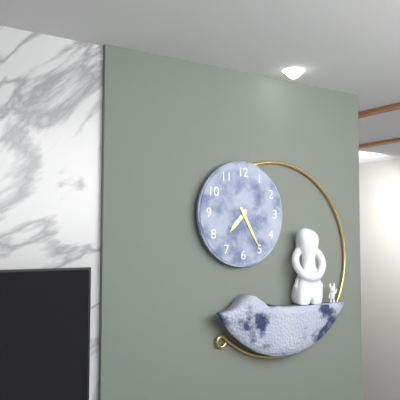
7:25
